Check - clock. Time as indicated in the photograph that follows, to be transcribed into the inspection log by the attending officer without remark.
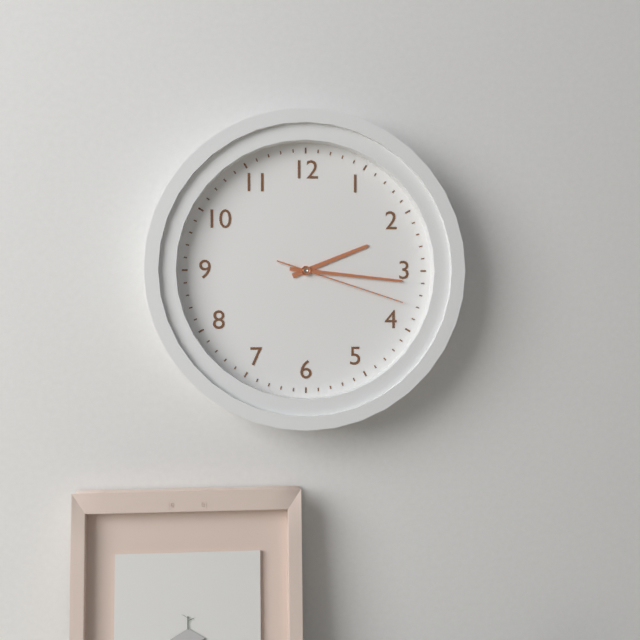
2:16:18
